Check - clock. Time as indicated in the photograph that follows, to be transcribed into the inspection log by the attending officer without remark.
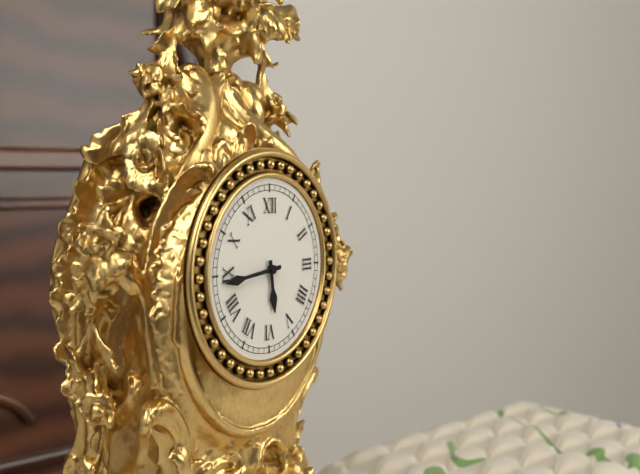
5:44
